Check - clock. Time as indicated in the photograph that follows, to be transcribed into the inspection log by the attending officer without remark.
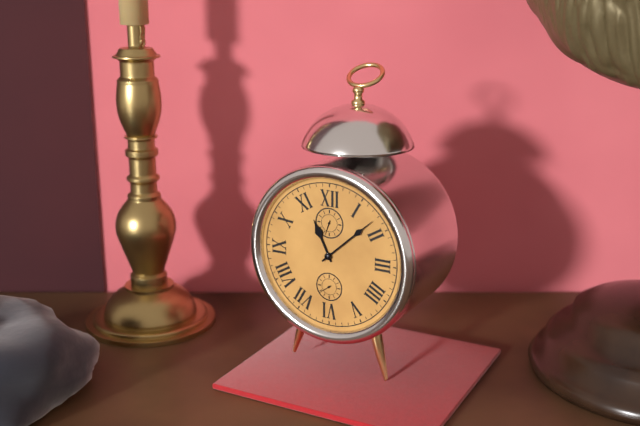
11:08
